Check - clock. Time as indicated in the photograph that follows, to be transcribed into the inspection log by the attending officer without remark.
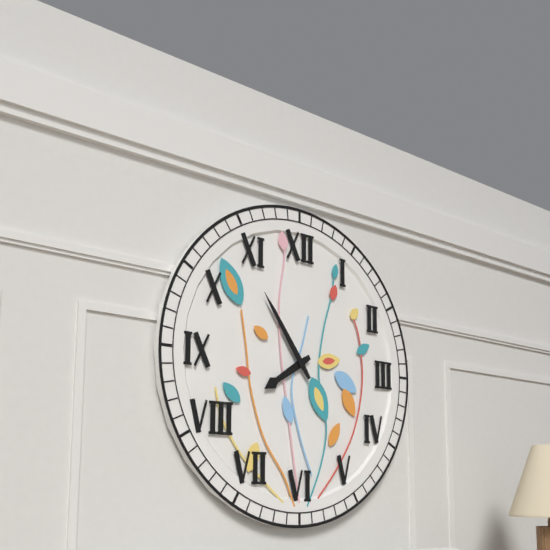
7:54
